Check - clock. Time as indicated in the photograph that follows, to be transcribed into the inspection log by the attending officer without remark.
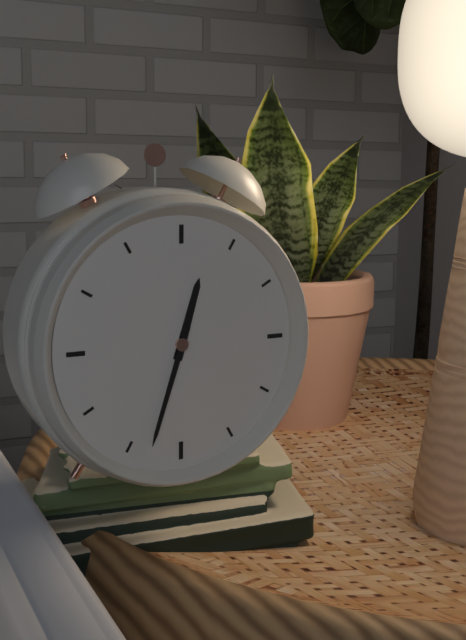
12:33
